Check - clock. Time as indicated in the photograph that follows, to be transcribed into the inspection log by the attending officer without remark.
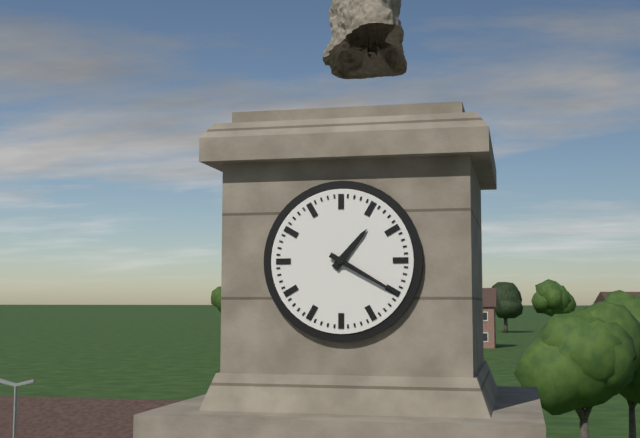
1:20
